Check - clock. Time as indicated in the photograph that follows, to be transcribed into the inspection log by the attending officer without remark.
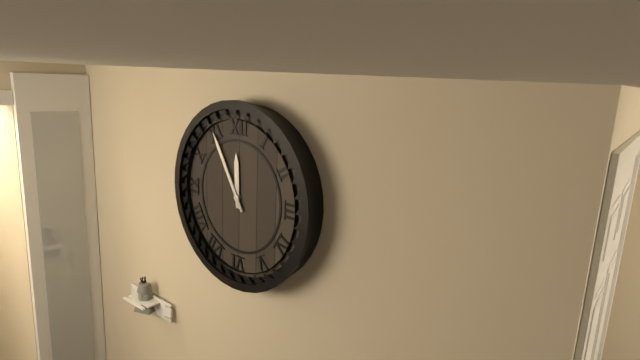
11:55
